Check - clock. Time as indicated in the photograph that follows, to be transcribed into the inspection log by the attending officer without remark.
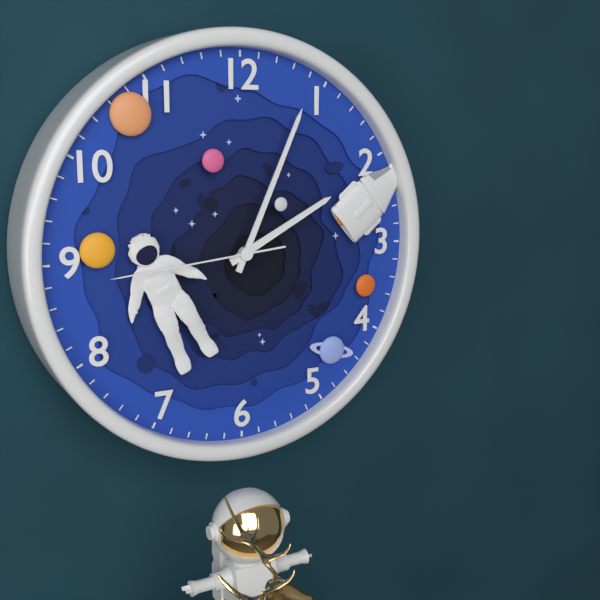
2:04:44
